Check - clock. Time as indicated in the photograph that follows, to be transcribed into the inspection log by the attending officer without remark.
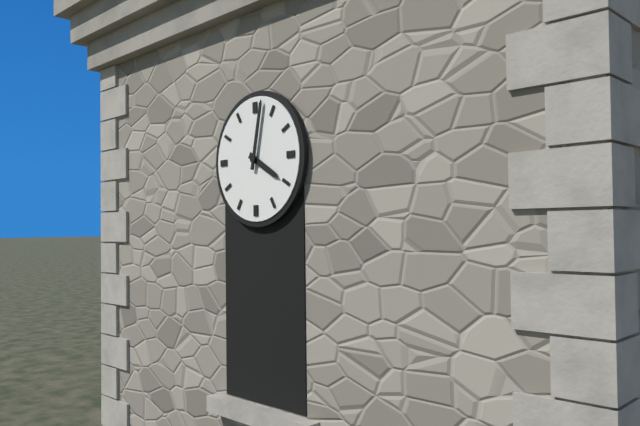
4:02
